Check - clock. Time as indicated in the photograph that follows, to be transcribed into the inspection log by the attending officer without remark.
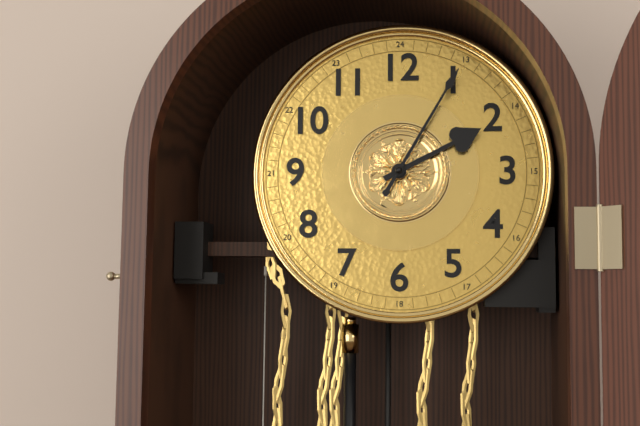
2:05
